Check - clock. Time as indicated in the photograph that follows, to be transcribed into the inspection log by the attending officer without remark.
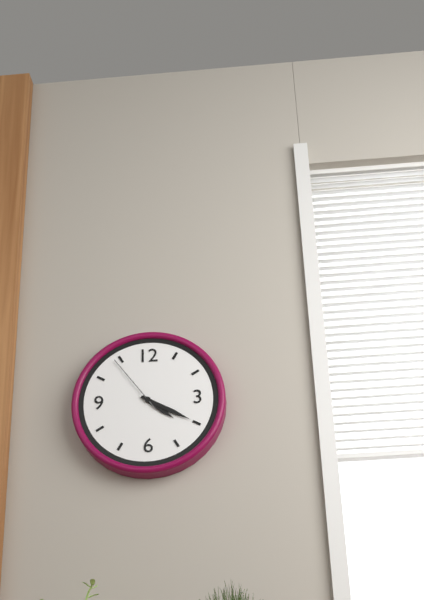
4:20:54
